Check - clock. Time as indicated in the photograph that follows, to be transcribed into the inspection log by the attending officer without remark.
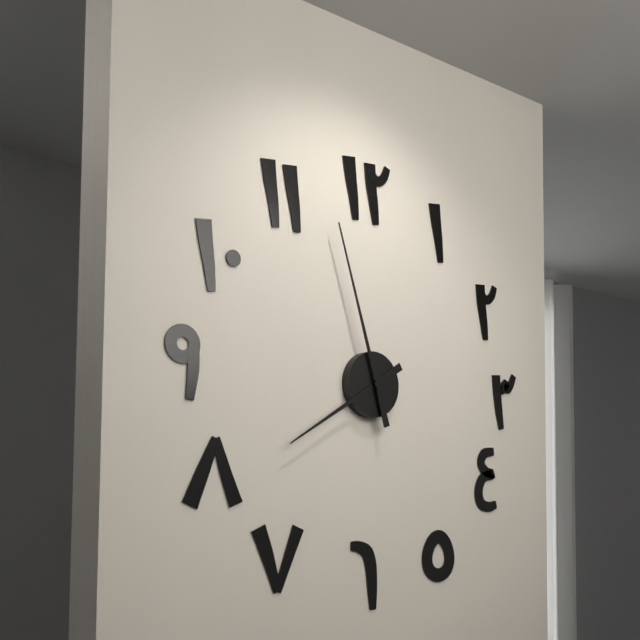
7:57
